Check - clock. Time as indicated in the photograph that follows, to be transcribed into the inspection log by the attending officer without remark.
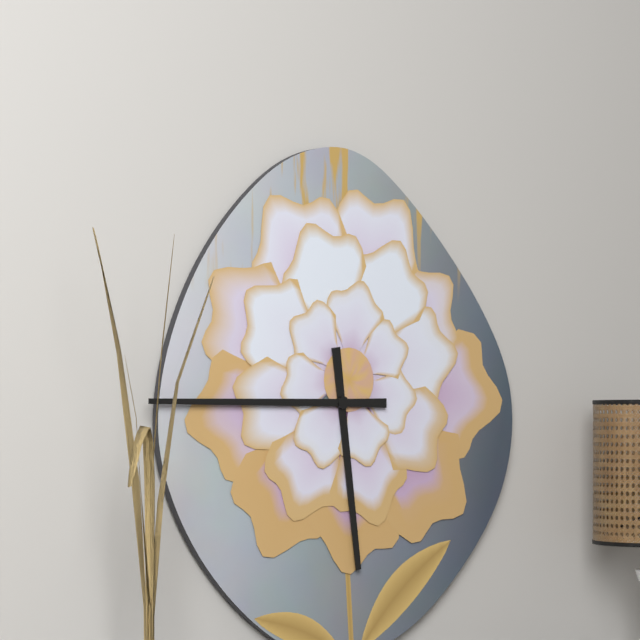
5:45
